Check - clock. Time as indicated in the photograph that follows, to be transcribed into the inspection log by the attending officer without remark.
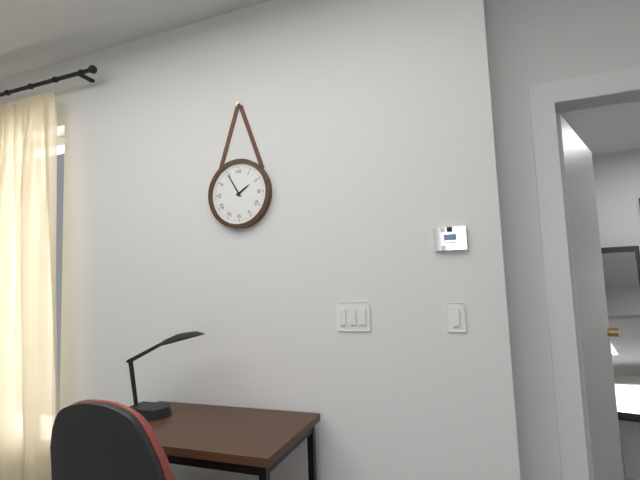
1:55
